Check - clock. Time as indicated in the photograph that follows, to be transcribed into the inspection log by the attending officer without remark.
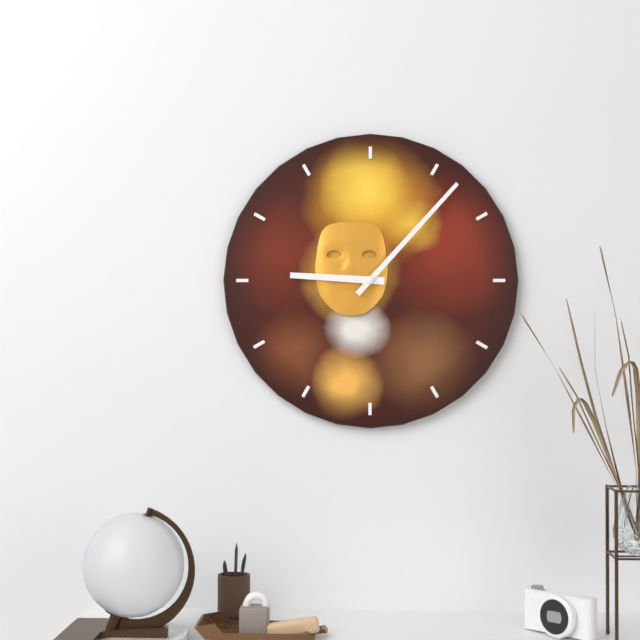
9:07
